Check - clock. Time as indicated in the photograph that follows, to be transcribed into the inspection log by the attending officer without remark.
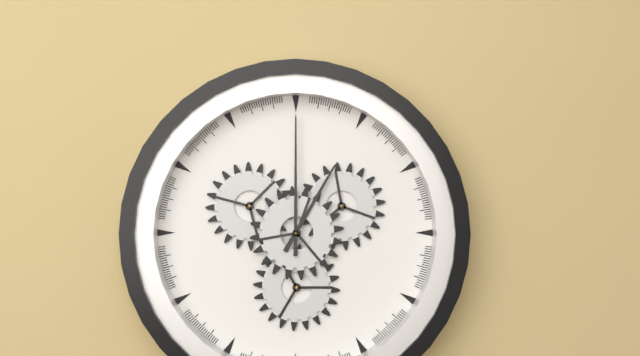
1:00
